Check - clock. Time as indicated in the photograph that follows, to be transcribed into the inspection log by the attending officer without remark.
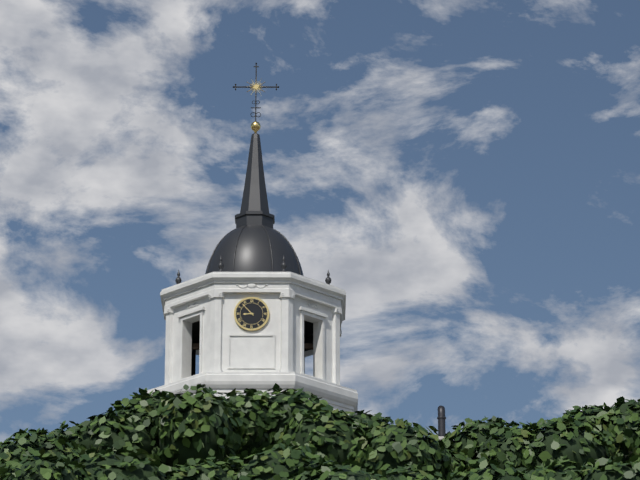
8:53
